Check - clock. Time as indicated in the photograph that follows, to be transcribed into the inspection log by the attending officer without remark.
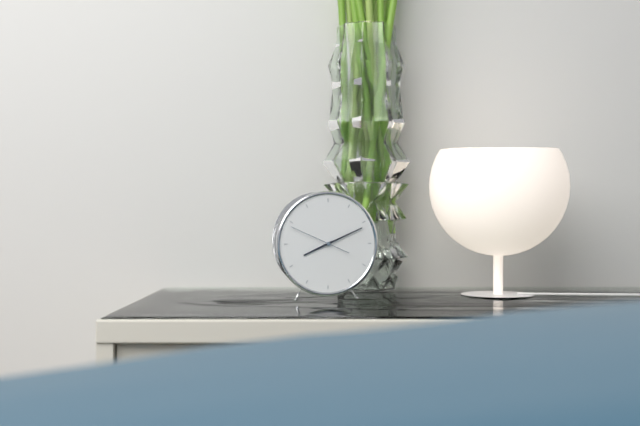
8:11:49
